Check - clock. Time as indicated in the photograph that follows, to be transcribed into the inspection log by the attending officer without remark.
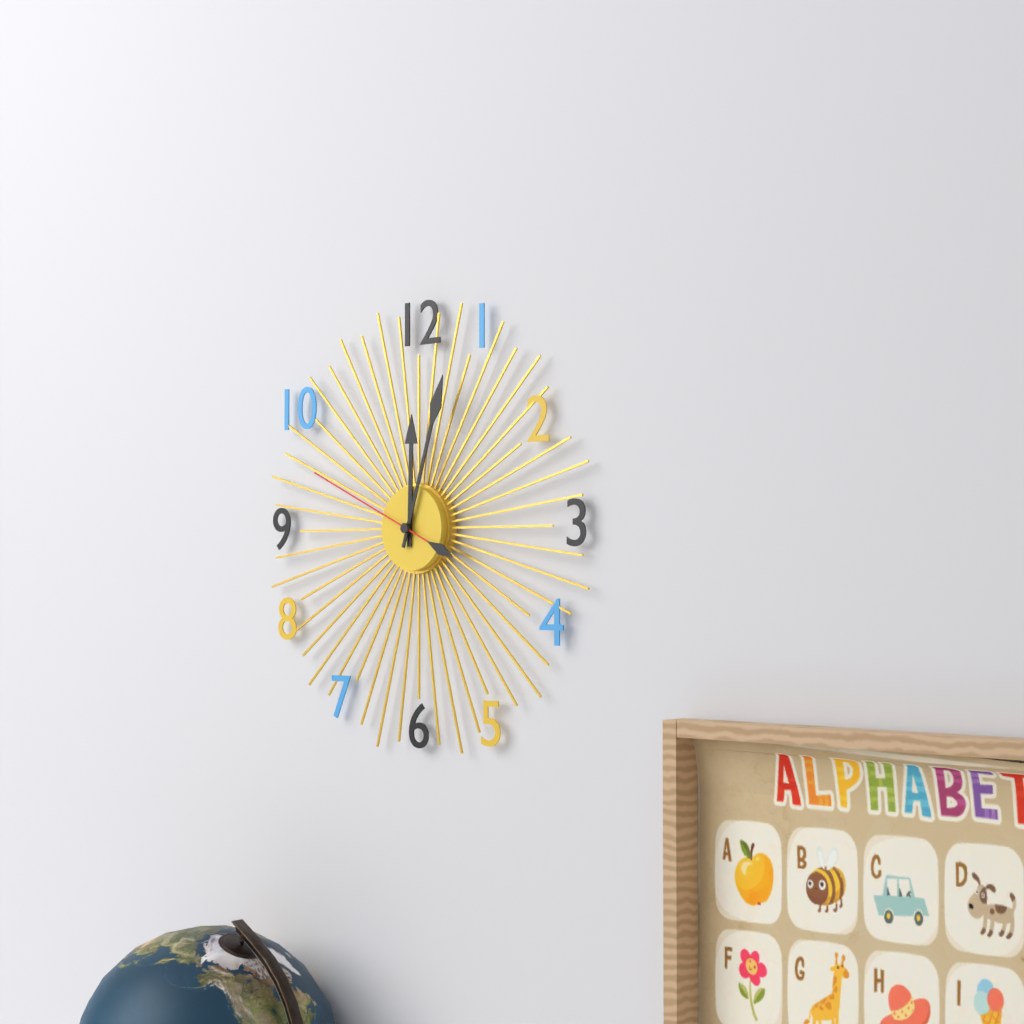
12:03:49
